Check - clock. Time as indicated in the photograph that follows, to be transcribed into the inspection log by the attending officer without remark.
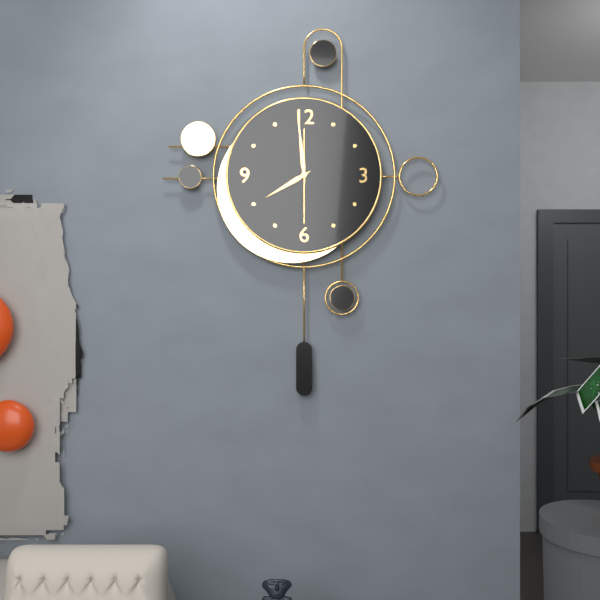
7:59:30
